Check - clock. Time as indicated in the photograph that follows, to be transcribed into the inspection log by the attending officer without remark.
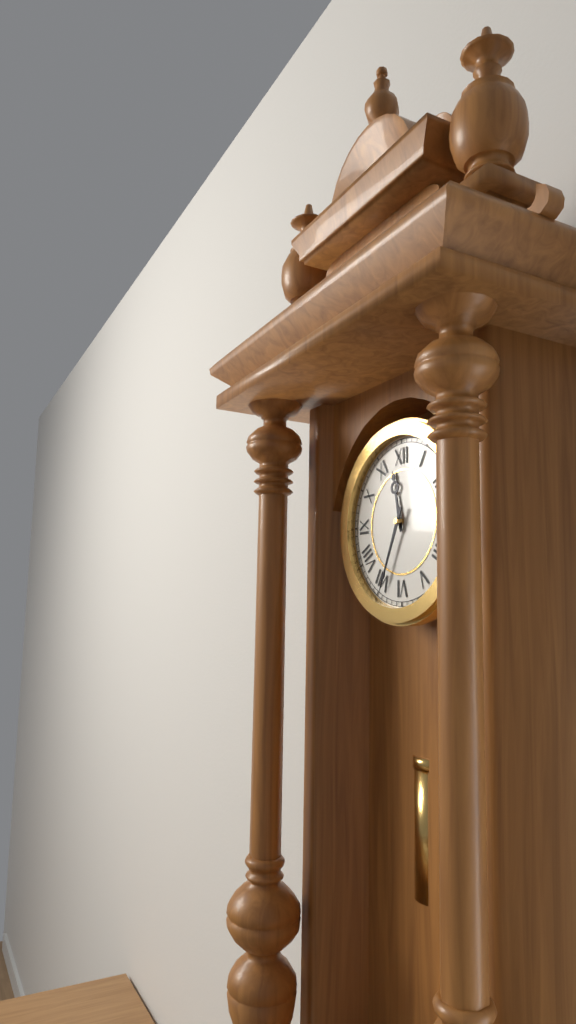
11:34
